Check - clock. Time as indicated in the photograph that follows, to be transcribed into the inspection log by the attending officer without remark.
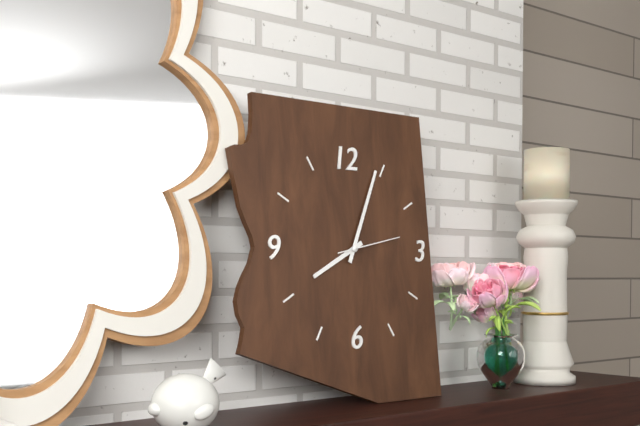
8:04:13
